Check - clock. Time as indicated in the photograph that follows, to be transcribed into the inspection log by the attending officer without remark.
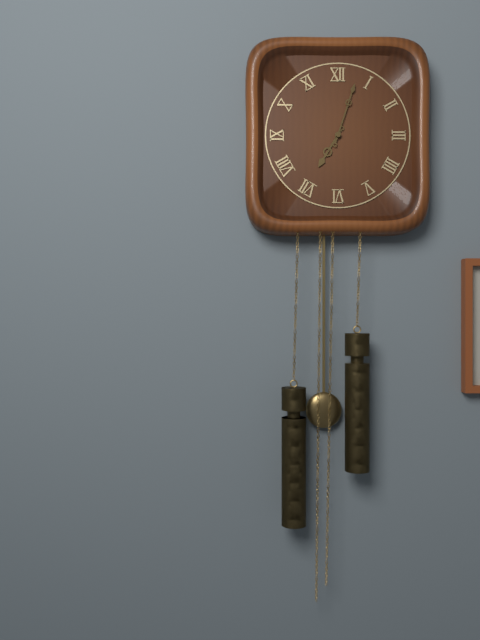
7:03
